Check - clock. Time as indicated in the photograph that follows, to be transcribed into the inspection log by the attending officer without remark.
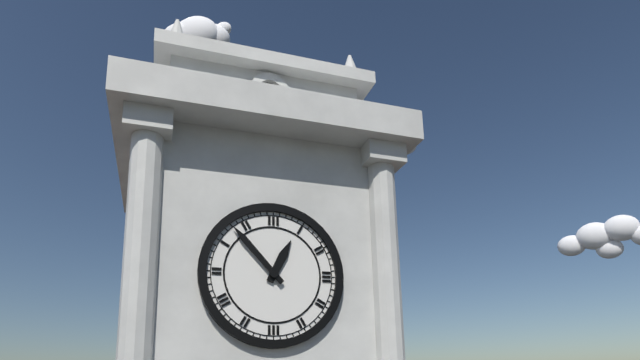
12:53
